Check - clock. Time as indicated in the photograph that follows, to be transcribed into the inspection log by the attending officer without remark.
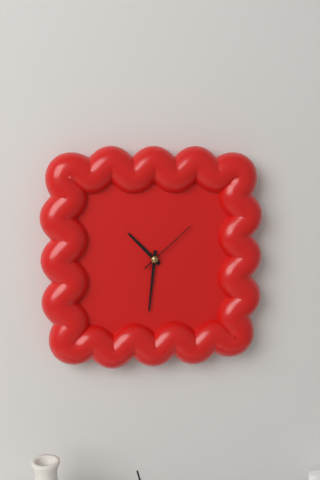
10:31:08
